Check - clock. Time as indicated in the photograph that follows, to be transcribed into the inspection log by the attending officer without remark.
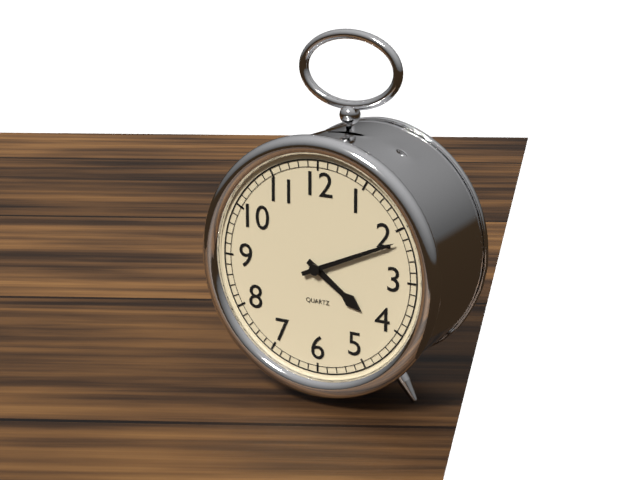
4:11
